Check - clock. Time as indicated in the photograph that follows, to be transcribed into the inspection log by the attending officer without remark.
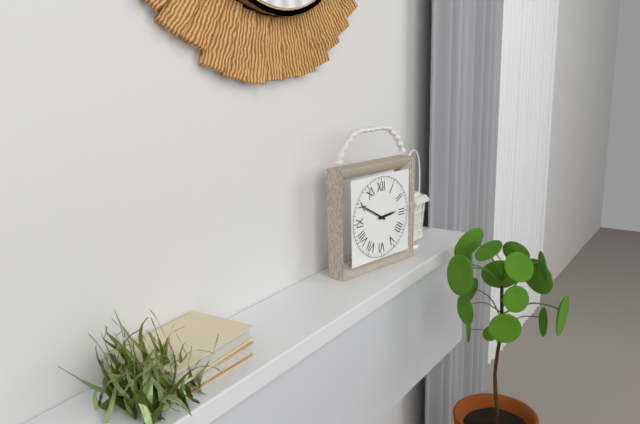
2:50
